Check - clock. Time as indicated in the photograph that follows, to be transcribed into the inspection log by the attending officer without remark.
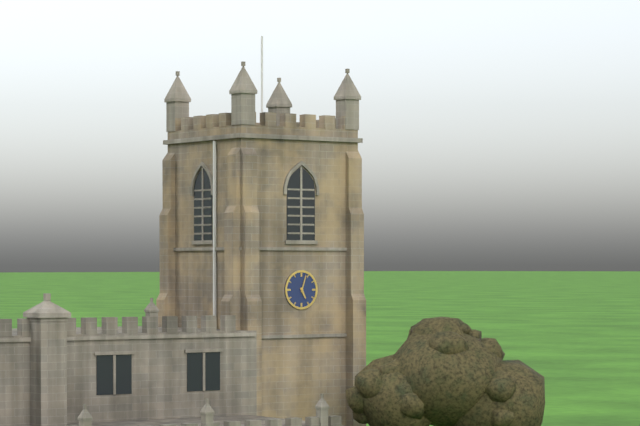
5:03
